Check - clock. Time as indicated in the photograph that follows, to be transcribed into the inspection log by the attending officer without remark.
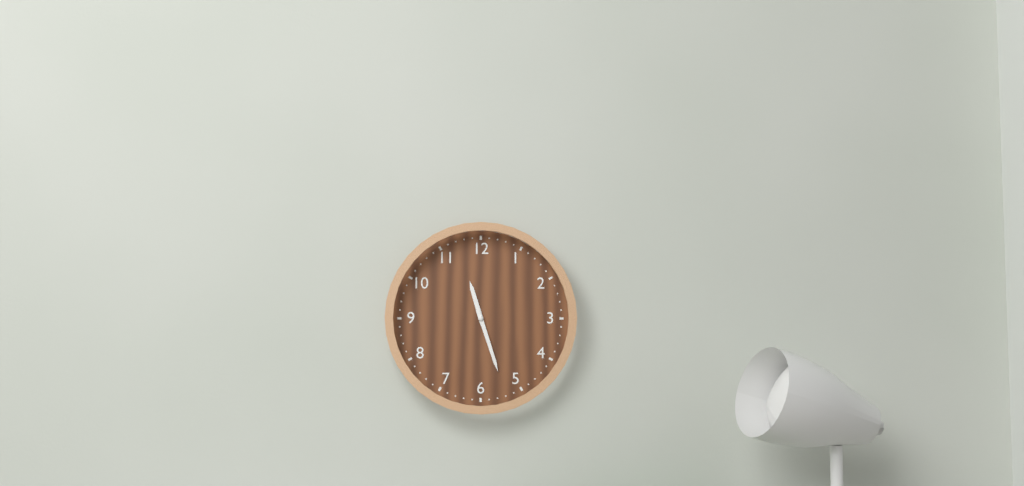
11:27
